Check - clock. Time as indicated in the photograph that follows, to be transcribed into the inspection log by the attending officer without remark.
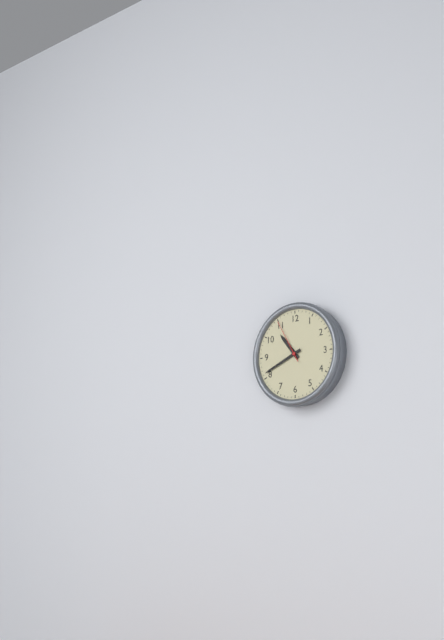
10:41
